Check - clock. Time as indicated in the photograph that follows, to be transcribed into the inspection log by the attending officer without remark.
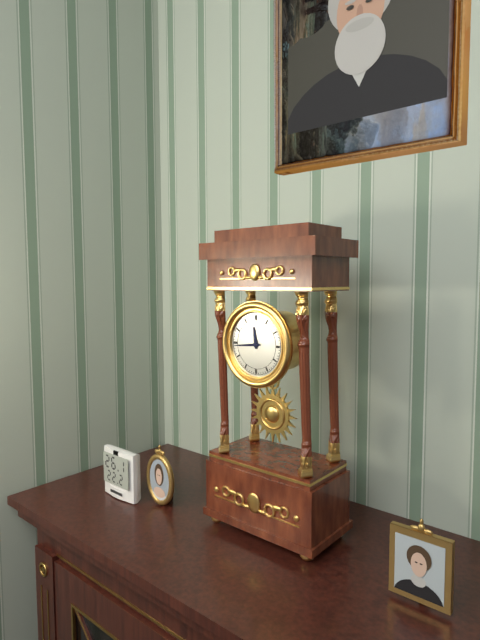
11:44
